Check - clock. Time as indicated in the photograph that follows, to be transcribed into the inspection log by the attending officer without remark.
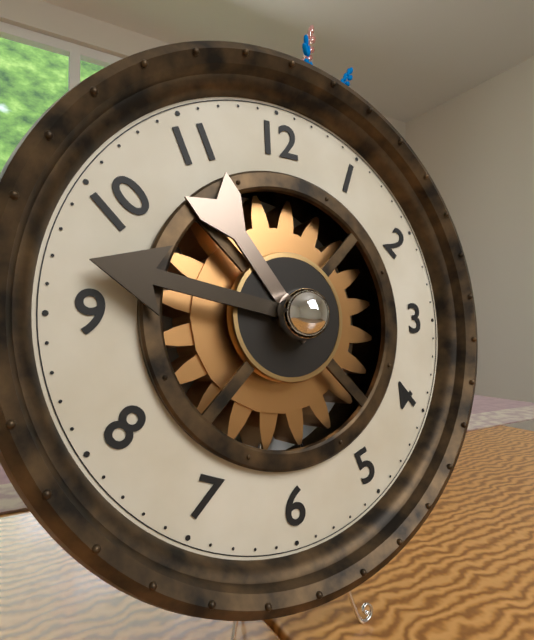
10:47
